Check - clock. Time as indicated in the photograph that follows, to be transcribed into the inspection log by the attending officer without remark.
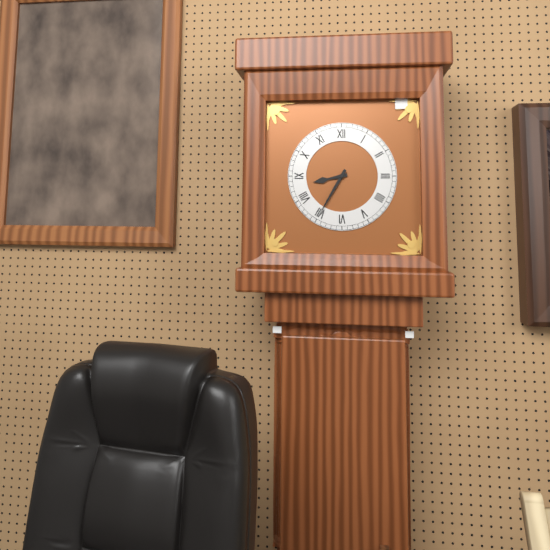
8:35
